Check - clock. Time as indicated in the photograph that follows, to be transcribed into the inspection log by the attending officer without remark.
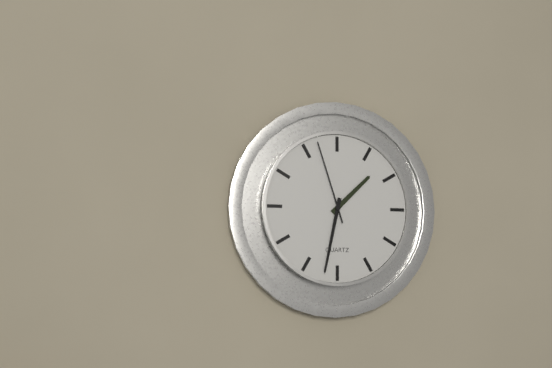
1:32:57
